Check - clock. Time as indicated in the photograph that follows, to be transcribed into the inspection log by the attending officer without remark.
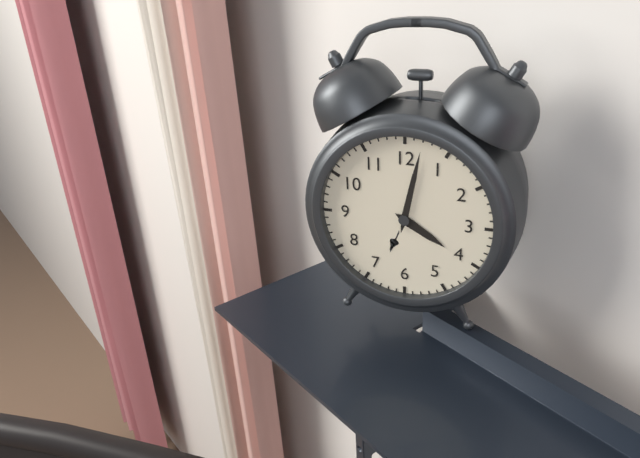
4:02
